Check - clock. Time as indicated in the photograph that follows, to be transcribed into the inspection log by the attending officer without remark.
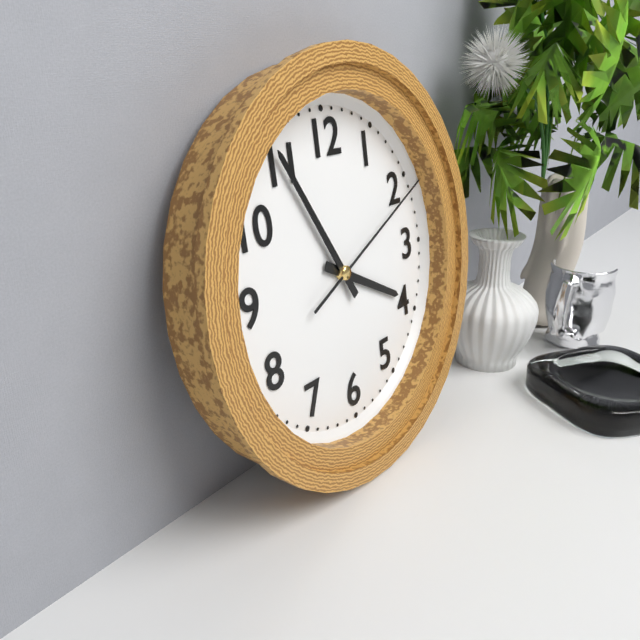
3:55:11
